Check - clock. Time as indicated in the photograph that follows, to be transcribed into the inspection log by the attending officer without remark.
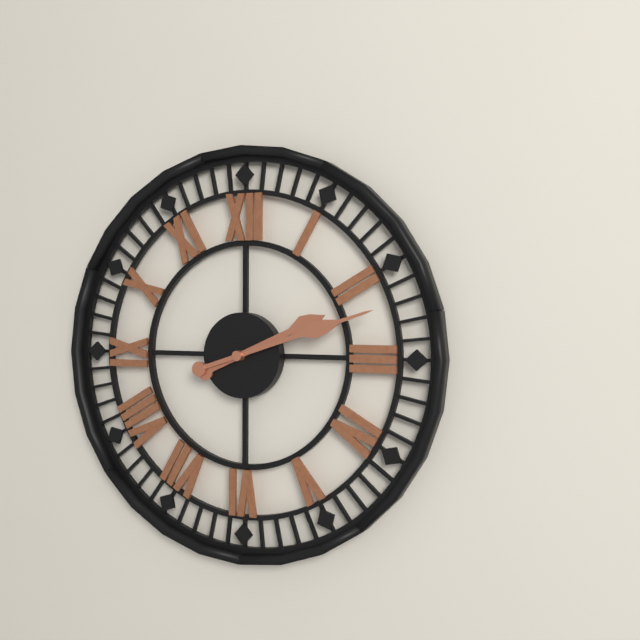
2:12
